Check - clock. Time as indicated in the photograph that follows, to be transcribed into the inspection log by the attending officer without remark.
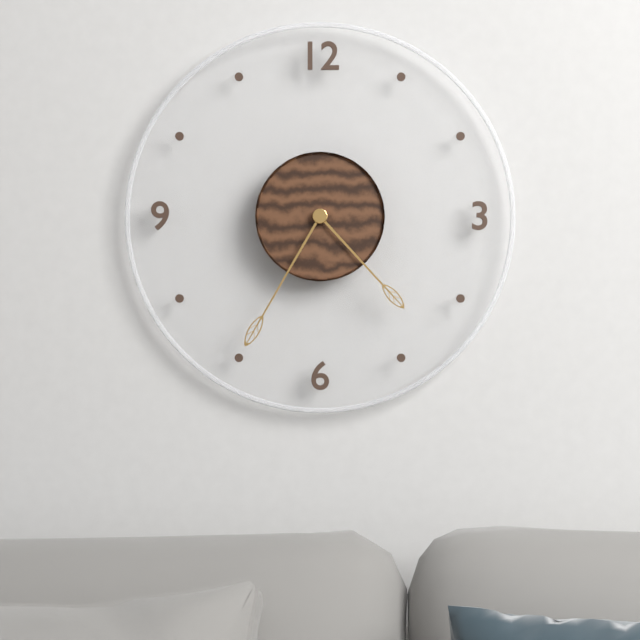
4:35
